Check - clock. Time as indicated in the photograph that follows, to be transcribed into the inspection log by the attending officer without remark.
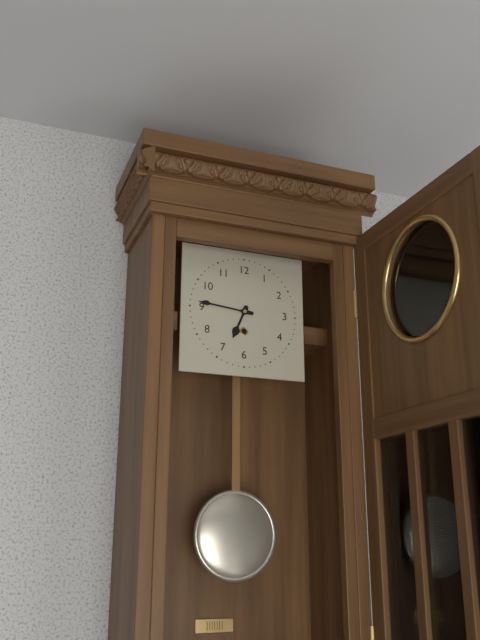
6:46
